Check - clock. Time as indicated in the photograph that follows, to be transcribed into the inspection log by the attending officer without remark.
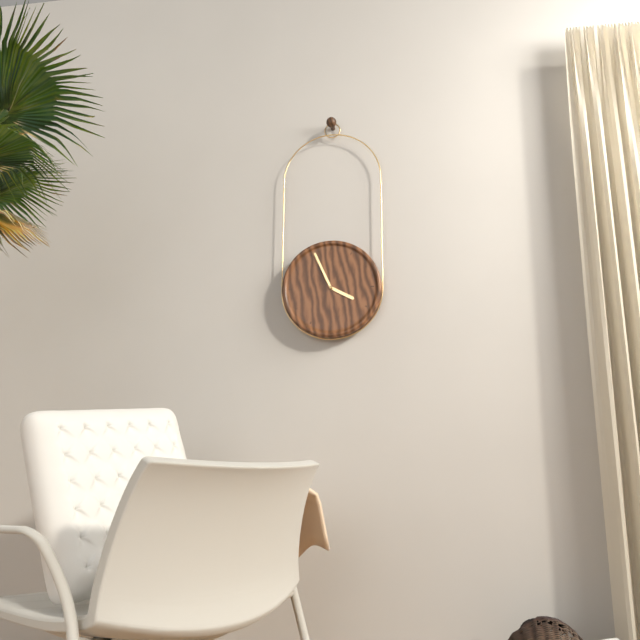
3:56
